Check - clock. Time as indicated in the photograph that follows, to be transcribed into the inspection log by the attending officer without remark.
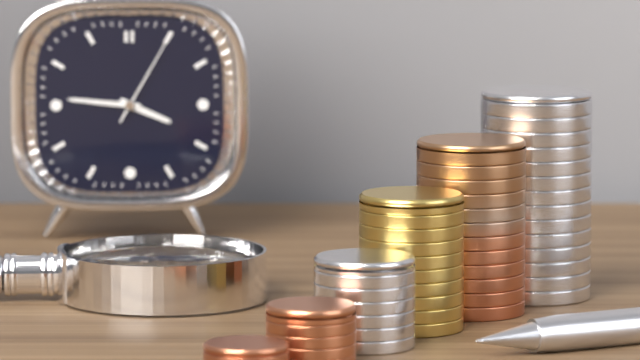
3:46:05
